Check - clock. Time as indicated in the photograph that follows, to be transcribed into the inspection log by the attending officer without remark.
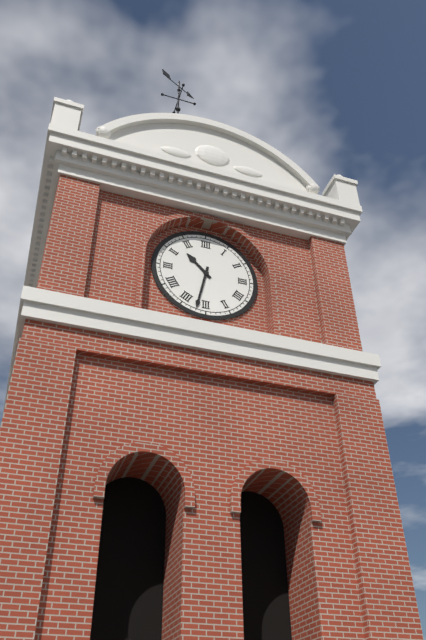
10:32
